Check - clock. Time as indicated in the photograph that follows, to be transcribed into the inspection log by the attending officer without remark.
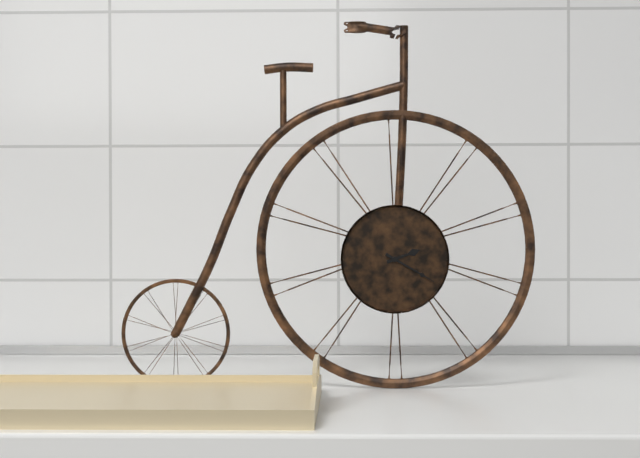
2:20
